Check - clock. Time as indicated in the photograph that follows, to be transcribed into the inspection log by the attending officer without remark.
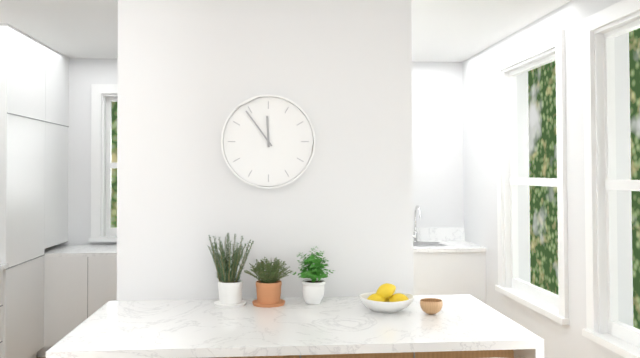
11:54
